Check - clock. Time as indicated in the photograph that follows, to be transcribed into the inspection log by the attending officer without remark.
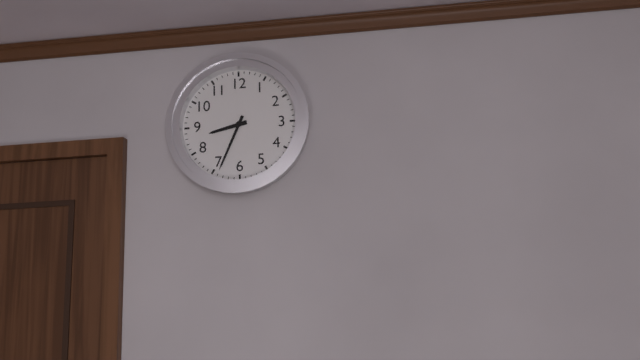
8:34
